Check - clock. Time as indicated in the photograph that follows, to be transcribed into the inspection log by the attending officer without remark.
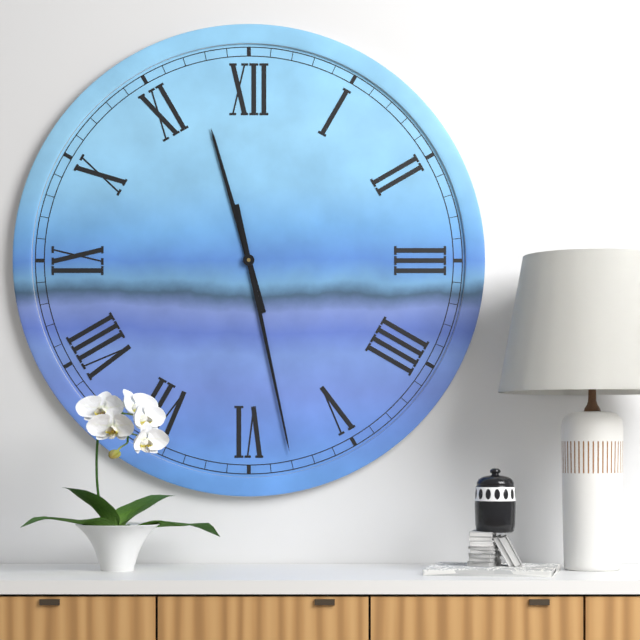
11:28
